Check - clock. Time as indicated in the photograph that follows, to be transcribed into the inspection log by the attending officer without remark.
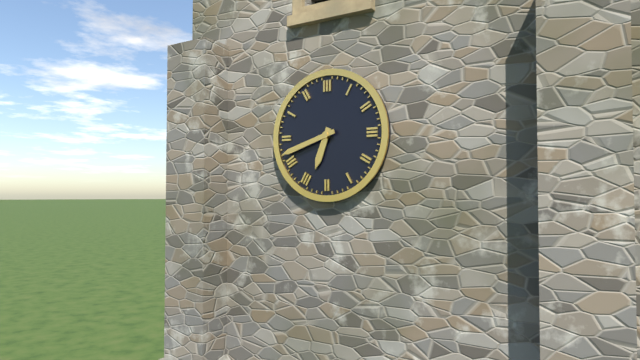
6:42
